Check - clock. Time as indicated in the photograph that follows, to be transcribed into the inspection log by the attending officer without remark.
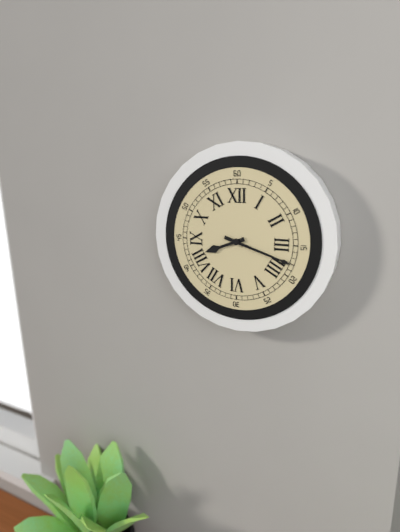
8:18
